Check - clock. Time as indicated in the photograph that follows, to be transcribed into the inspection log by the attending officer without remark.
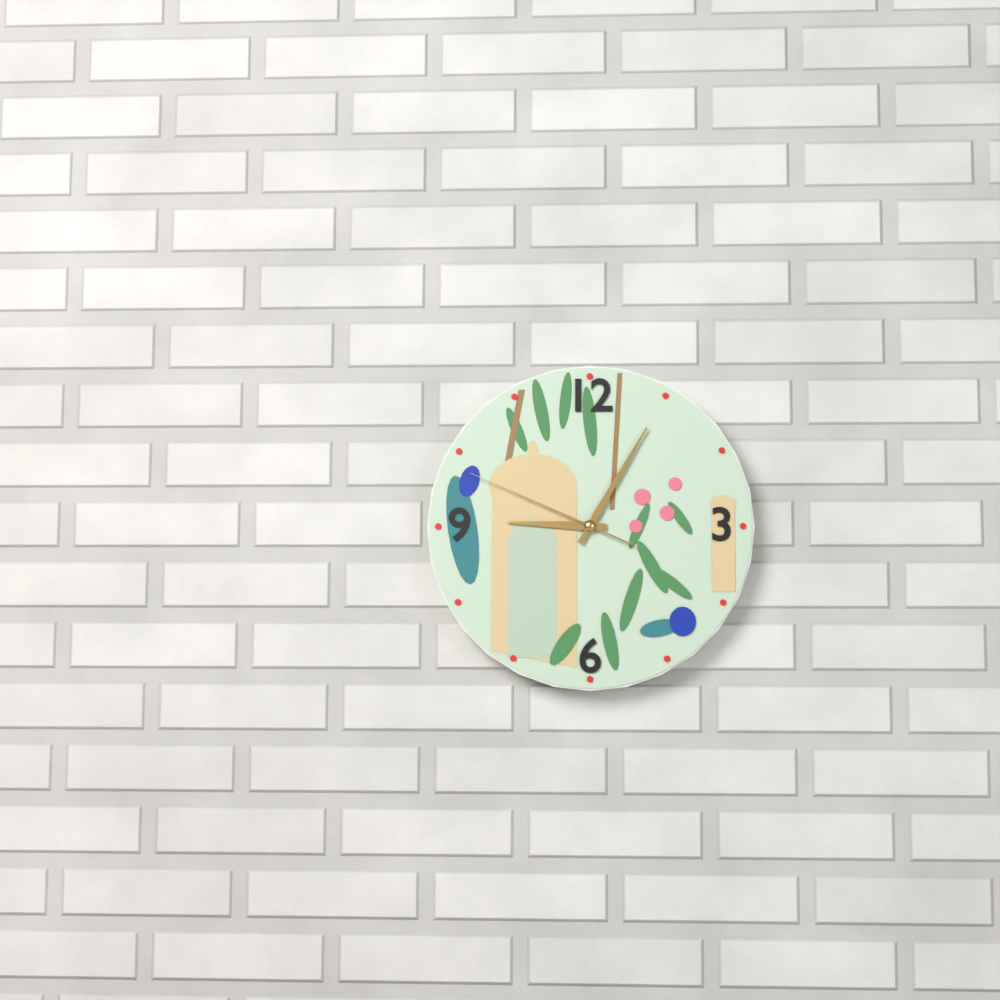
9:05:49
